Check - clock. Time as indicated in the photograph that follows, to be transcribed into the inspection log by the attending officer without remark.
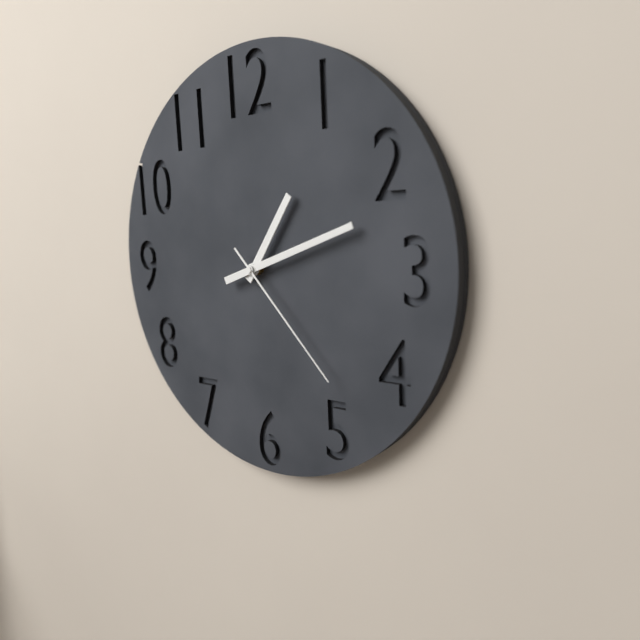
1:12:23
